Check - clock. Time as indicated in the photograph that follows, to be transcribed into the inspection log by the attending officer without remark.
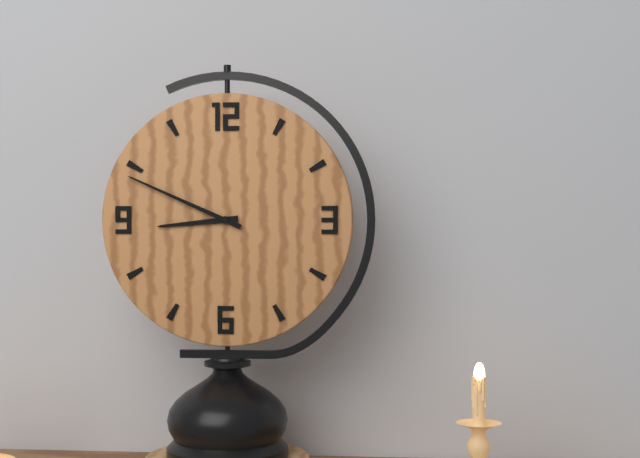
8:49
